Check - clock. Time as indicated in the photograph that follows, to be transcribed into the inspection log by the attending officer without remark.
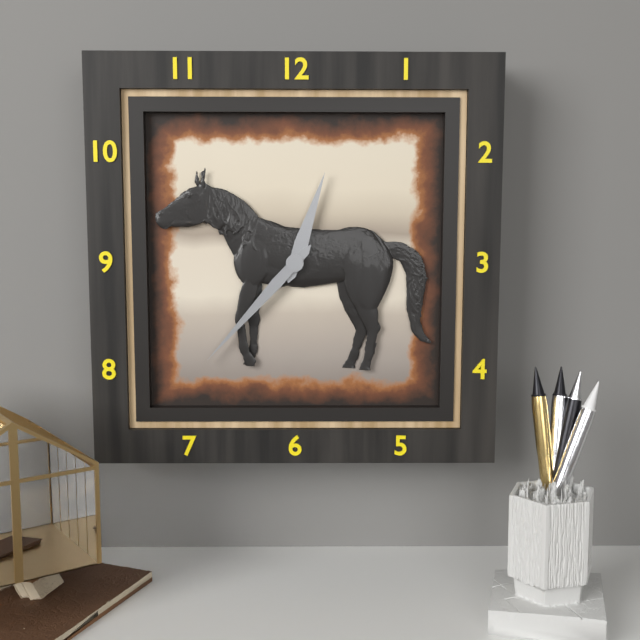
12:37
